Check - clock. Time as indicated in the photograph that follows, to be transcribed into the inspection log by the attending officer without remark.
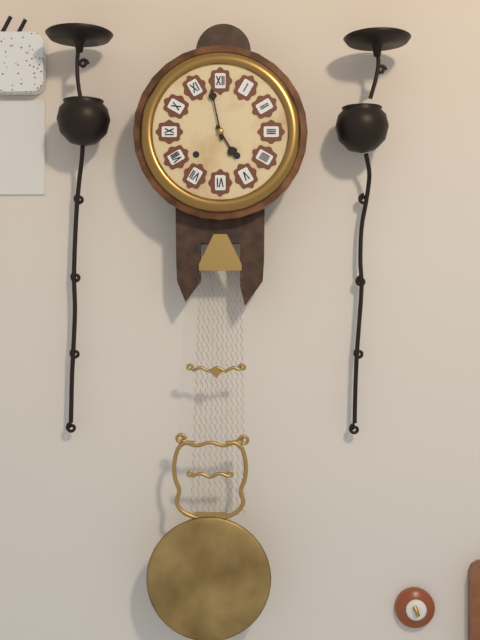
4:58
